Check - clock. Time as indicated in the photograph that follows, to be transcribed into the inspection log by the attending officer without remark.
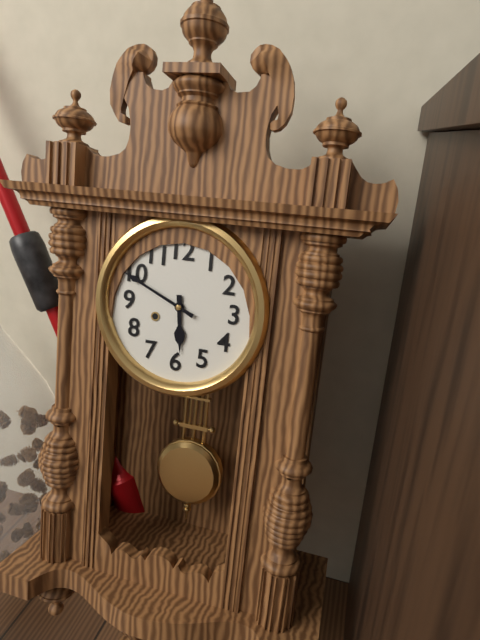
5:49
